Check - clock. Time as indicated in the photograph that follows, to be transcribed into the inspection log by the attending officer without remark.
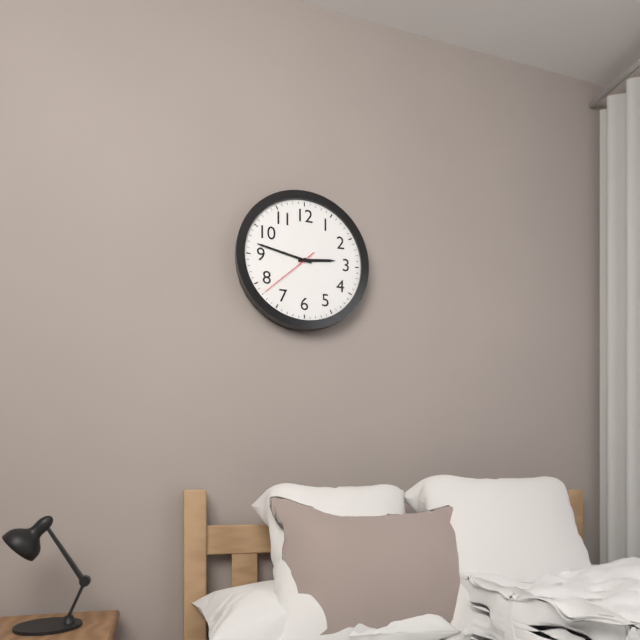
2:47:38
